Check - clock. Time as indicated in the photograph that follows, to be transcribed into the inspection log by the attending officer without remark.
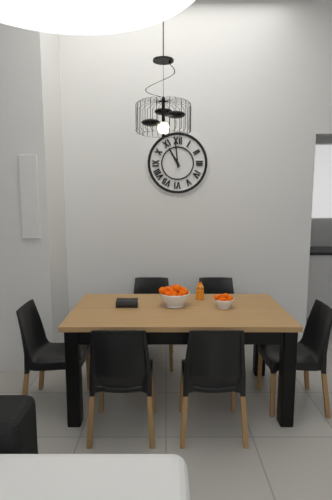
10:59
